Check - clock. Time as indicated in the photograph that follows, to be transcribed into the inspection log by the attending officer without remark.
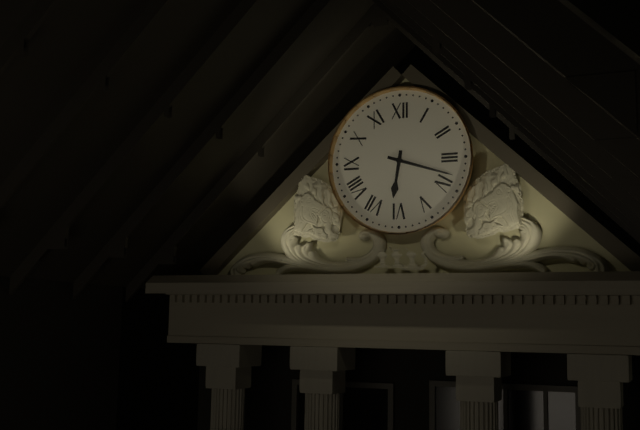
6:18
